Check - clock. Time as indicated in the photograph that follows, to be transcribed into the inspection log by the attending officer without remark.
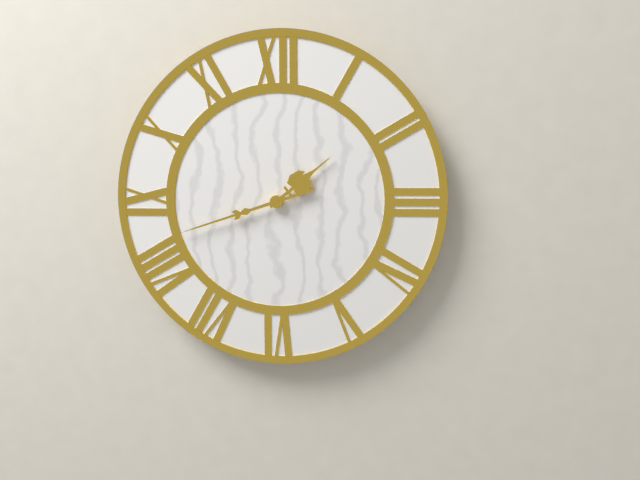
1:42
